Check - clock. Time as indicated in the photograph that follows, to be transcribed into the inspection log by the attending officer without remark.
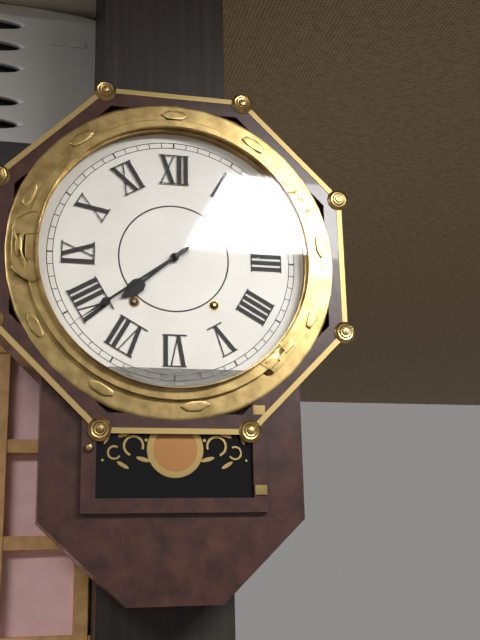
7:39
